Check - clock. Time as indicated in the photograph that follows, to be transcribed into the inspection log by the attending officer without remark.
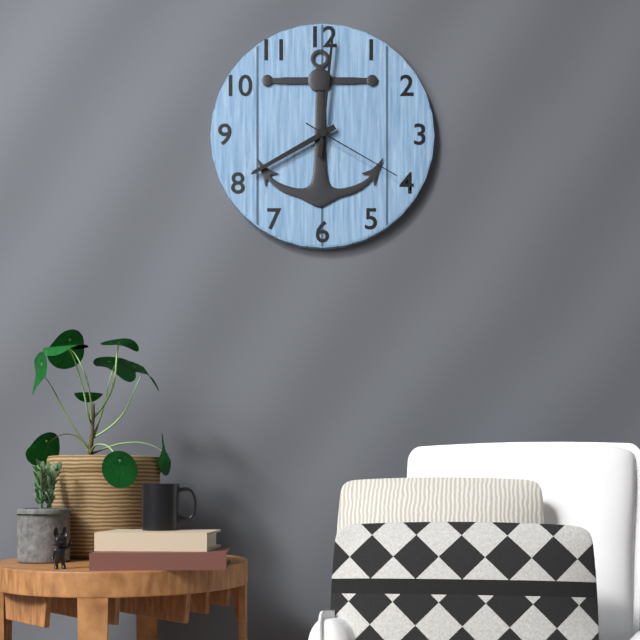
8:01:20
